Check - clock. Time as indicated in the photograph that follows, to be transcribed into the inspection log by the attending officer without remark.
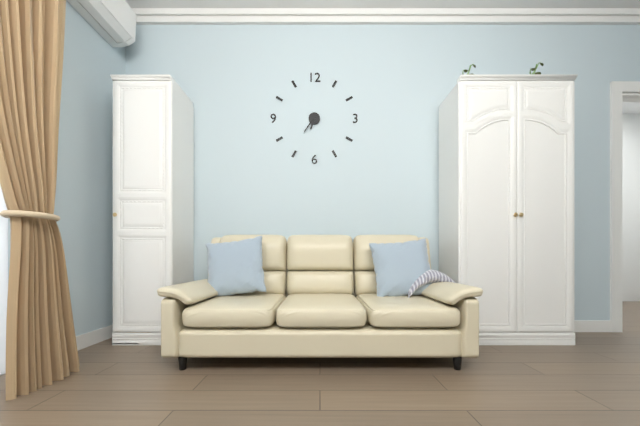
6:36
